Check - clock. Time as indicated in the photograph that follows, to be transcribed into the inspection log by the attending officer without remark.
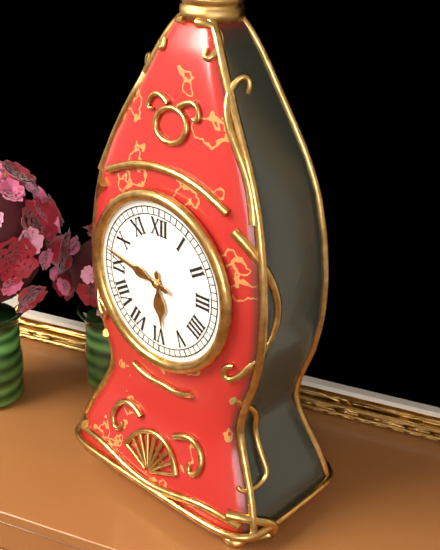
5:47
